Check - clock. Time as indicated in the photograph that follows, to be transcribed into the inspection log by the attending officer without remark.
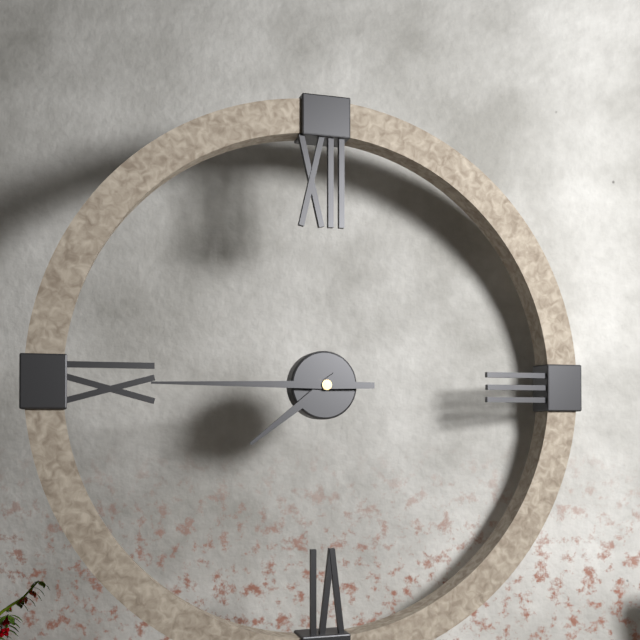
7:45
